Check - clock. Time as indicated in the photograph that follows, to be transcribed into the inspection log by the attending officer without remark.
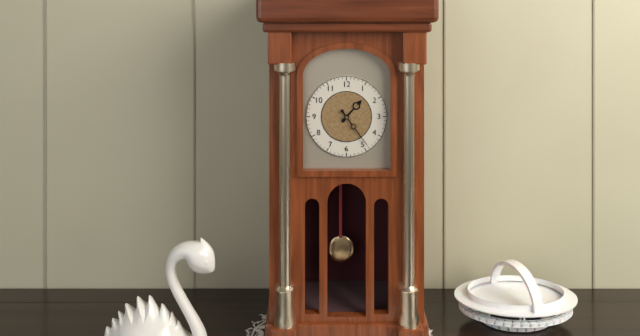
1:24
